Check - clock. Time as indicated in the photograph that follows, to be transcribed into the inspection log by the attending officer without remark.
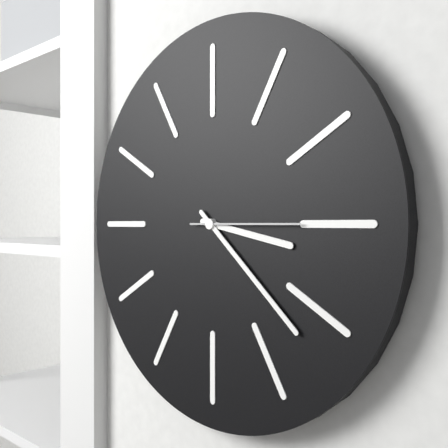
3:22:15
